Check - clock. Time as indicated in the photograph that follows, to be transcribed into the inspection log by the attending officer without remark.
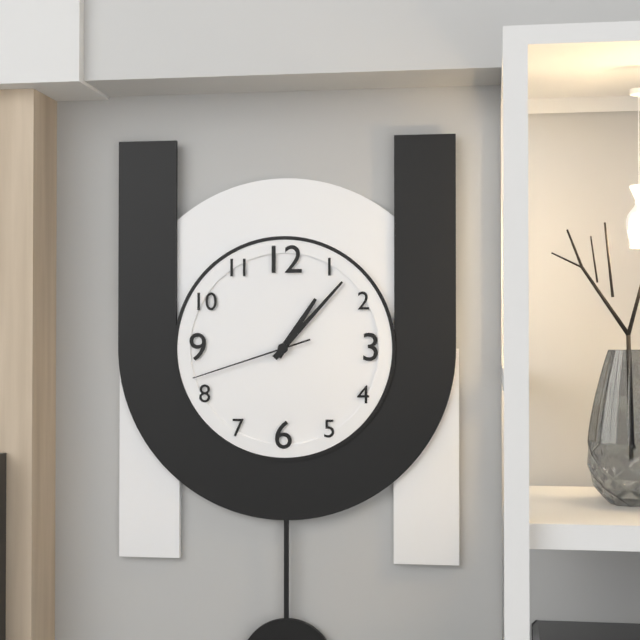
1:07:42
